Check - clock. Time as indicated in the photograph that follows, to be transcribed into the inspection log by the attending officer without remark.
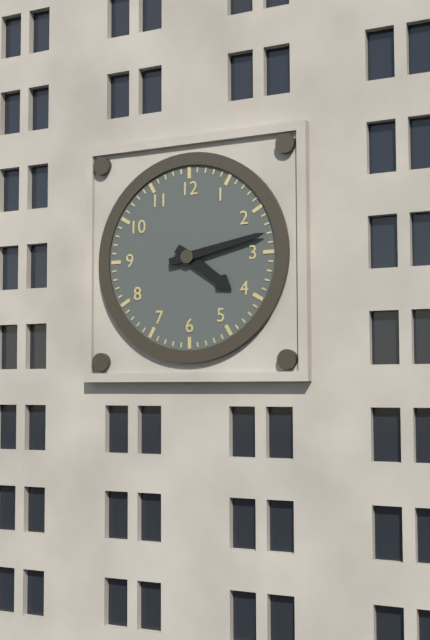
4:13
